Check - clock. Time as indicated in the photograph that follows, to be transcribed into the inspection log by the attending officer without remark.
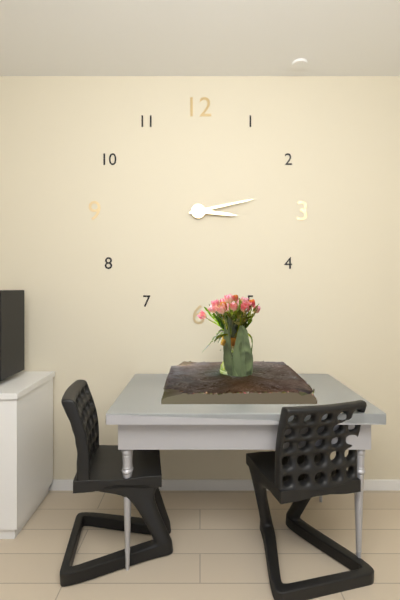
3:13
